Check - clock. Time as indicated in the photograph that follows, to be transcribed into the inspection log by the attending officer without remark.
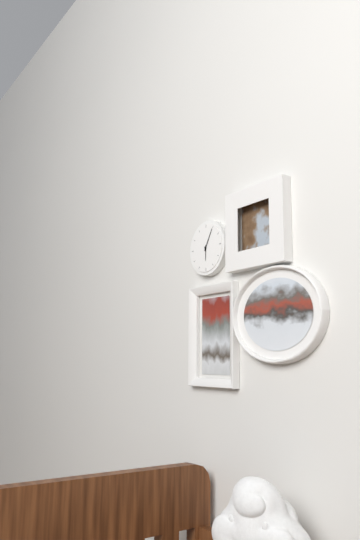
6:05
